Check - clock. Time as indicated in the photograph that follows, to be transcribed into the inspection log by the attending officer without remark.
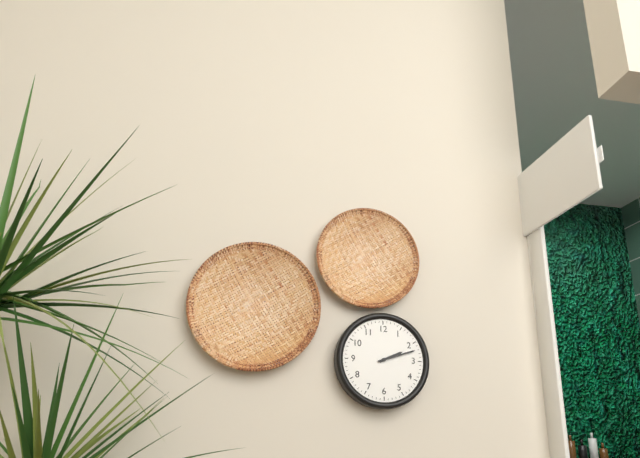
2:12
